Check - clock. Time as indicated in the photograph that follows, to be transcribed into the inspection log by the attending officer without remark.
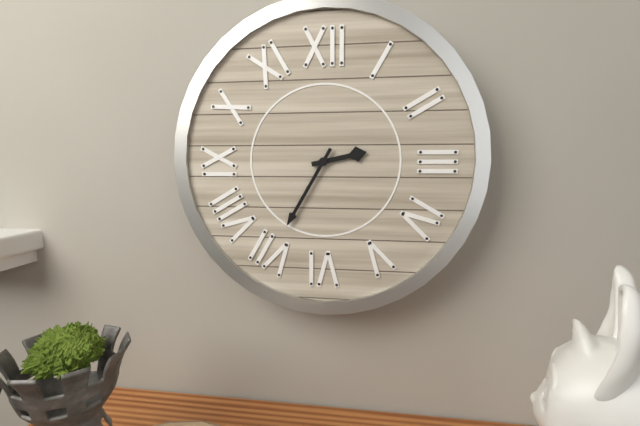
2:35
